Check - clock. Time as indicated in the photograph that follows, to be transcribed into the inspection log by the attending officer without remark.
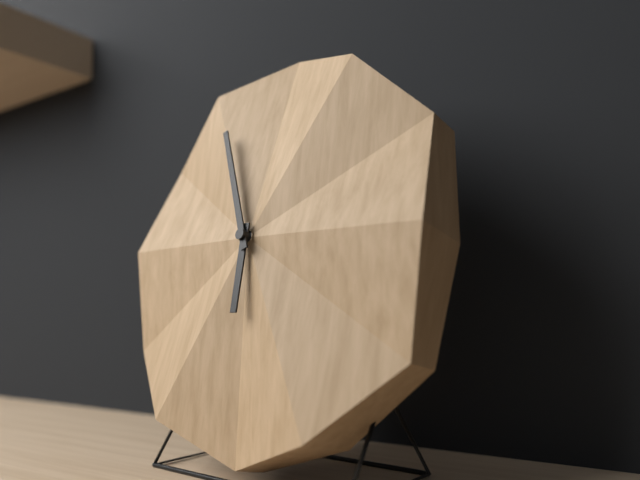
5:56
